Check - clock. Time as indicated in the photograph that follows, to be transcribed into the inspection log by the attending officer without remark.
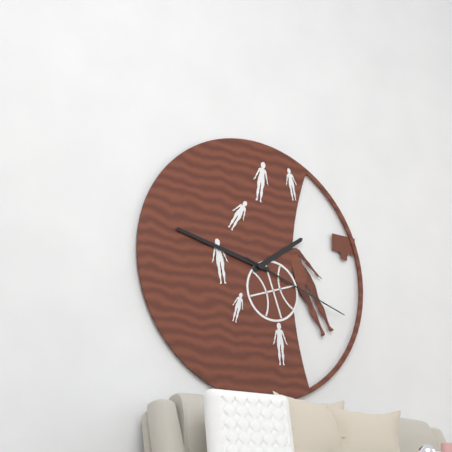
1:47:18
